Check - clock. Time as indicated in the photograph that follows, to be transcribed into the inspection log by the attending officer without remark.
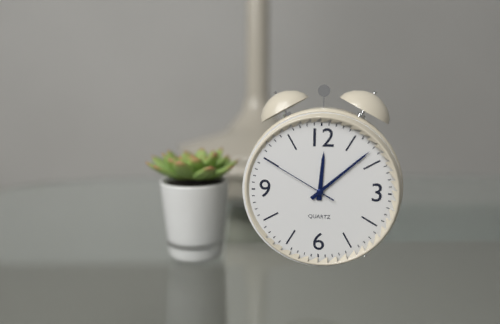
12:08:50
